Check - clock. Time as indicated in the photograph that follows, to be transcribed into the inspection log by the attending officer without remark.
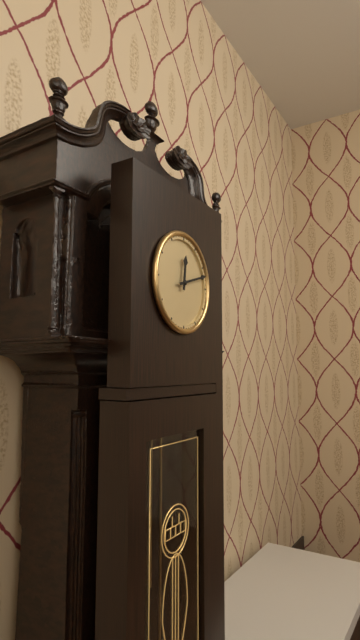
12:12
